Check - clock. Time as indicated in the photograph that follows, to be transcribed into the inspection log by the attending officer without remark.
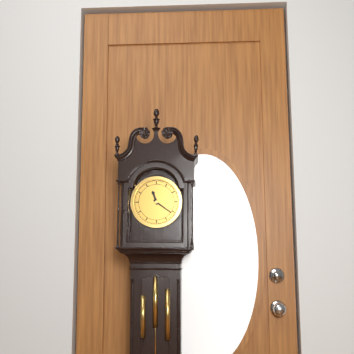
11:21
